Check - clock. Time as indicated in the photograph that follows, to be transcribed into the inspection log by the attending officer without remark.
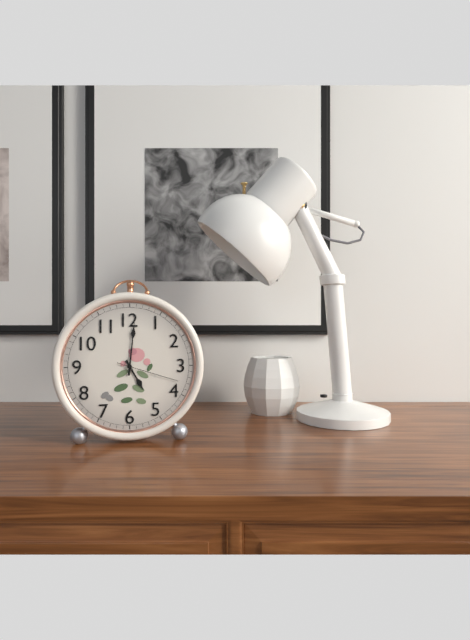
5:01:18
